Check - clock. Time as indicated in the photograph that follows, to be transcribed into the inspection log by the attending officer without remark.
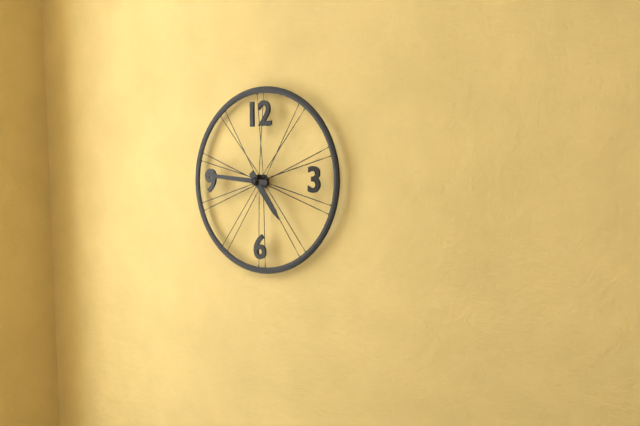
4:46
